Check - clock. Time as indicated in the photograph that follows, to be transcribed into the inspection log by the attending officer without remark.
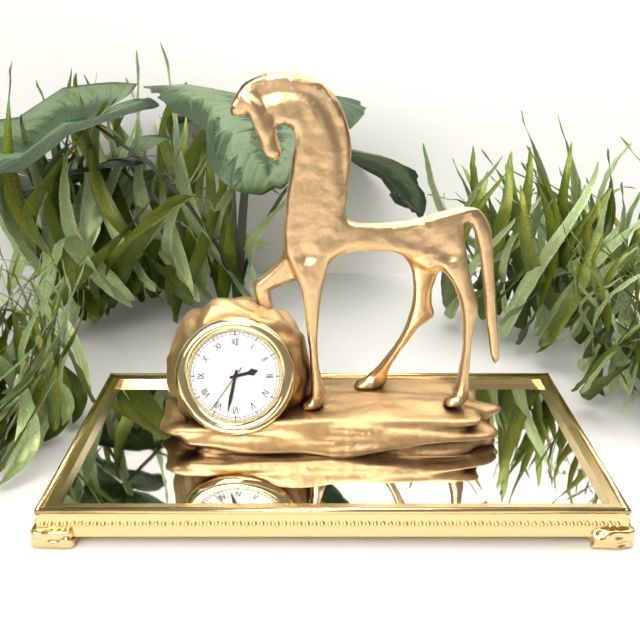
2:32:36
